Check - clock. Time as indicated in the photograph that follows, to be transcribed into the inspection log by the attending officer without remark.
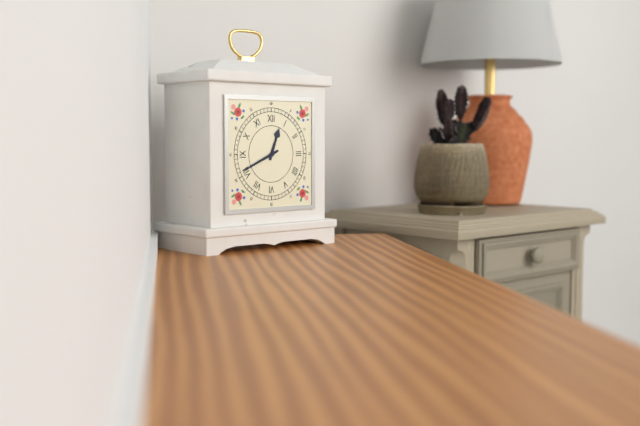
12:41
